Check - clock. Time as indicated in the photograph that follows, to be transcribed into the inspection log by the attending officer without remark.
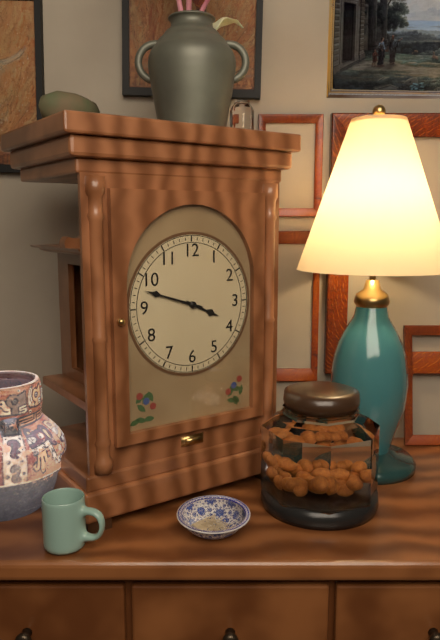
3:48
